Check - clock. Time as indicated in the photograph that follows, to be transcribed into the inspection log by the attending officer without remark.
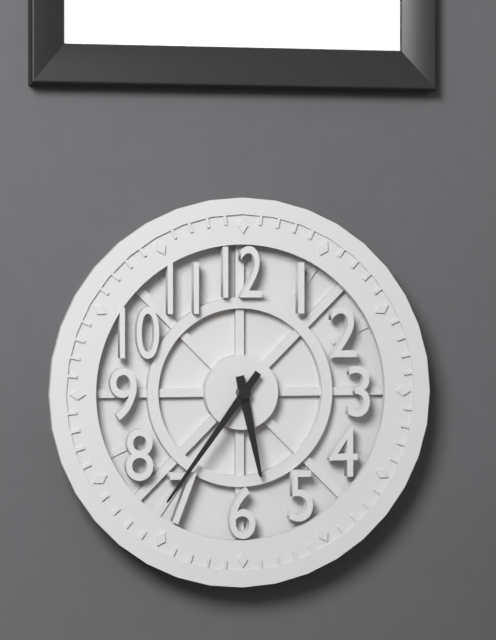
5:36
